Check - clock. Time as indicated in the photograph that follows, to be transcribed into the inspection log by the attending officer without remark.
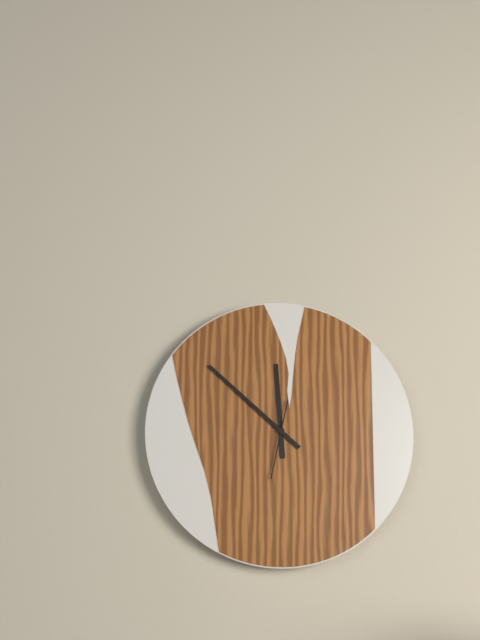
11:52:32
